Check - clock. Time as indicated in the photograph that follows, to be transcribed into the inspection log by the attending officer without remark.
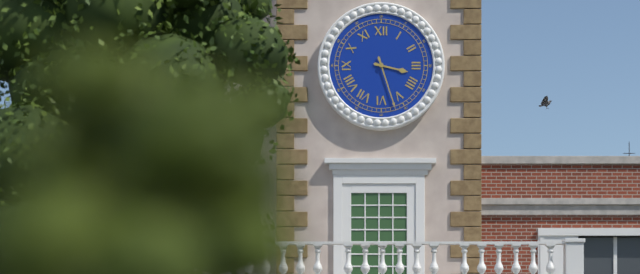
3:27
